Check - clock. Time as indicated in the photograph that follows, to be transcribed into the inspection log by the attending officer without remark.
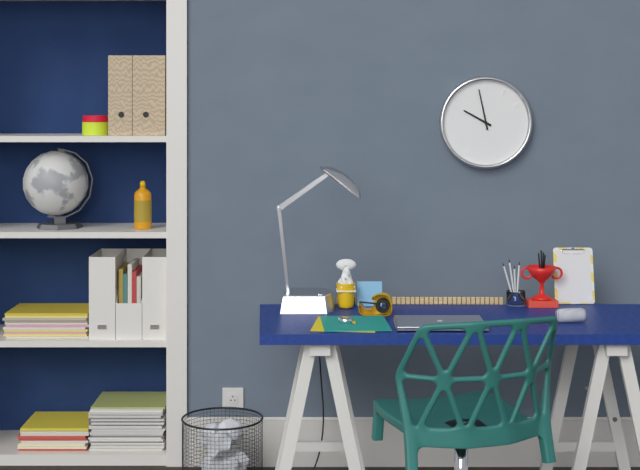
9:58
